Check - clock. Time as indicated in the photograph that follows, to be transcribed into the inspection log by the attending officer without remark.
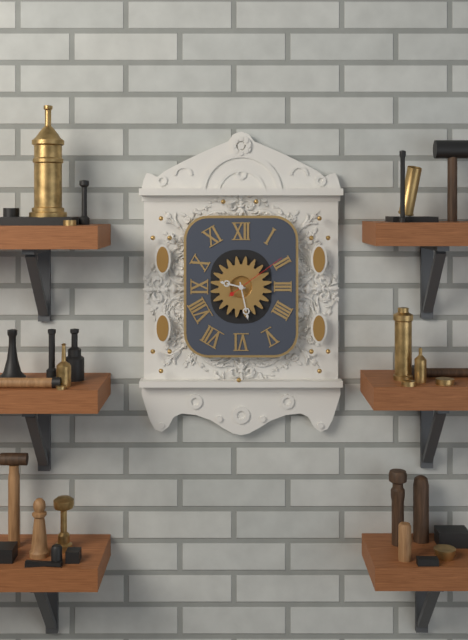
9:28:09
